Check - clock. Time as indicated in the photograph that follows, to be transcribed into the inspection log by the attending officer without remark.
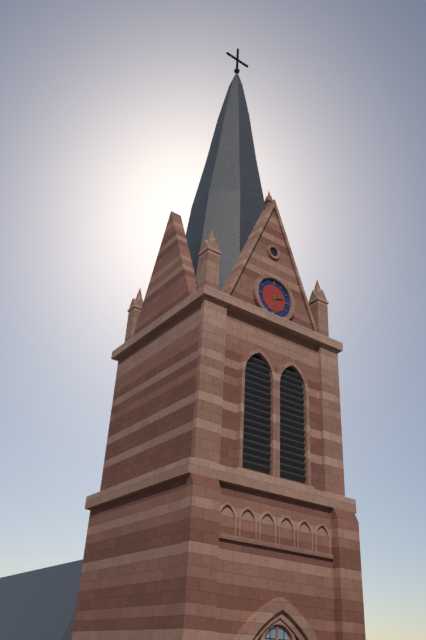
2:30
